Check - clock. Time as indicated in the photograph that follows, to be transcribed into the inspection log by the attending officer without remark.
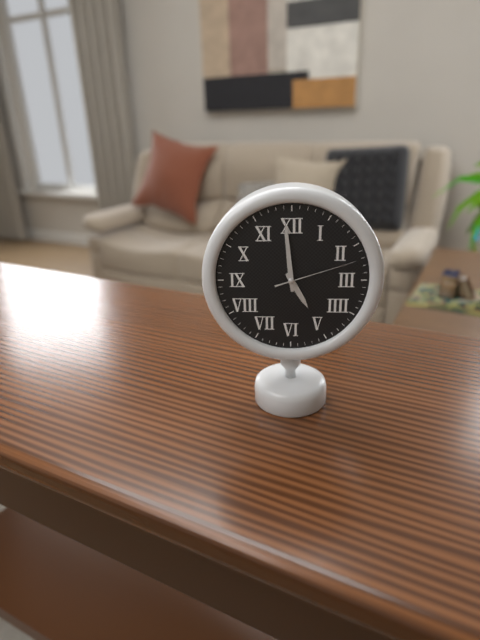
4:59:12
